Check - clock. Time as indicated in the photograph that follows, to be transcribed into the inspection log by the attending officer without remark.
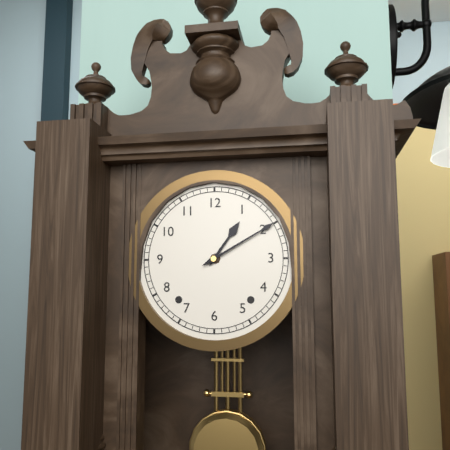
1:10
